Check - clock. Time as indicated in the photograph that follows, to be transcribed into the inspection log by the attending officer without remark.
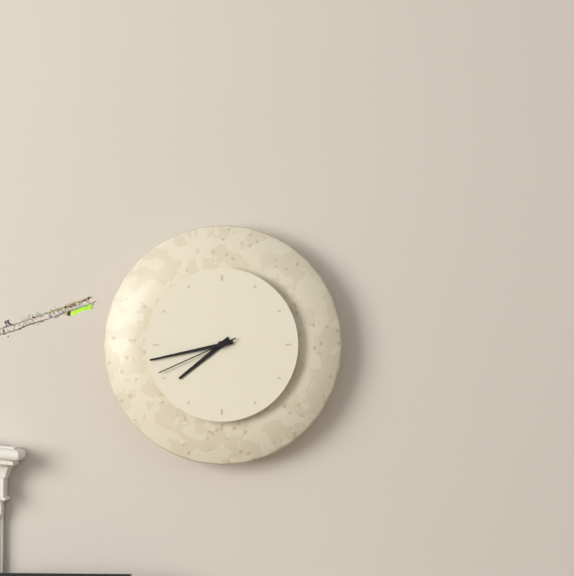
7:43:41
